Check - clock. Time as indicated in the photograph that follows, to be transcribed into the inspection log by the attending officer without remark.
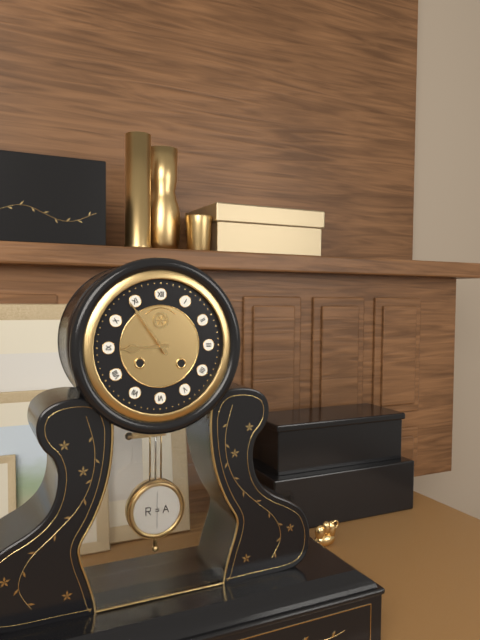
8:54
